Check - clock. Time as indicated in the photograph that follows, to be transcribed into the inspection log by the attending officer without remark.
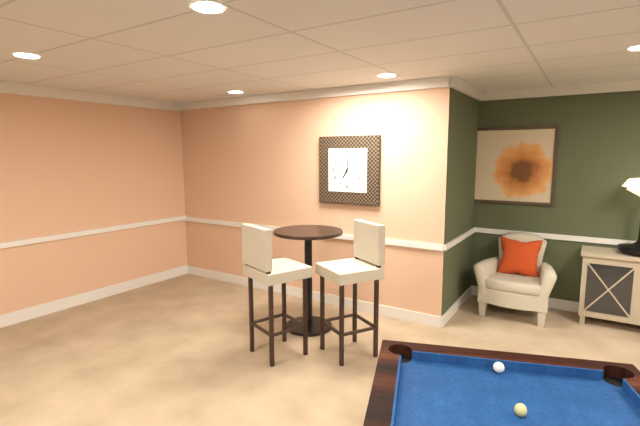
7:01
